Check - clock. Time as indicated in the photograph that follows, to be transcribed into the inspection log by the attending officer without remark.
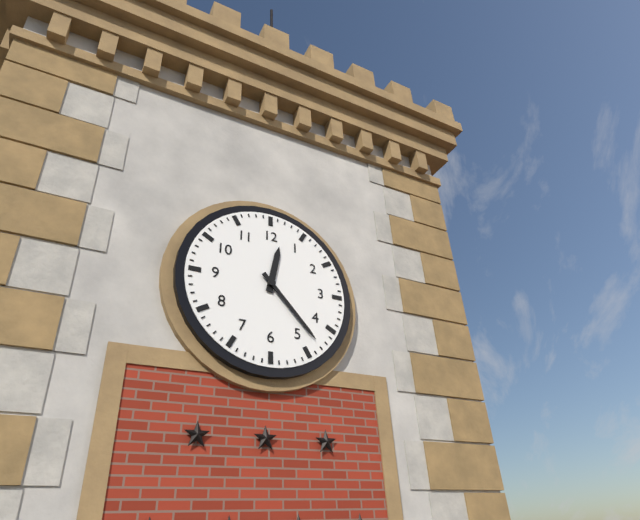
12:23
